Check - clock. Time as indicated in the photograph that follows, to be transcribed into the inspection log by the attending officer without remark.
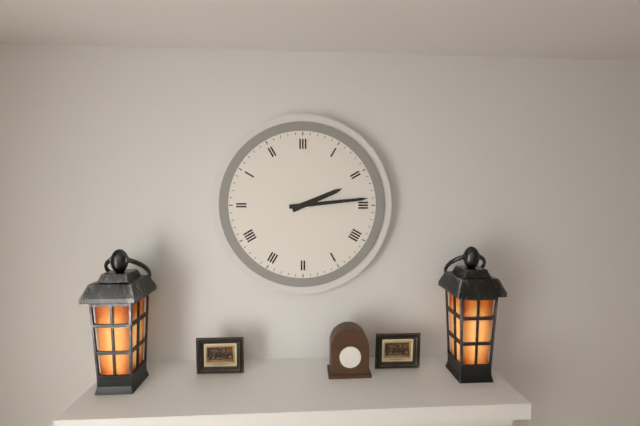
2:14
